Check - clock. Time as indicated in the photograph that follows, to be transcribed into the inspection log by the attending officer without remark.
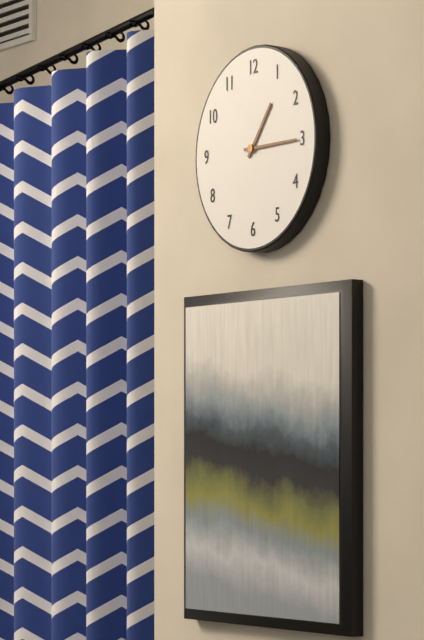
1:15
